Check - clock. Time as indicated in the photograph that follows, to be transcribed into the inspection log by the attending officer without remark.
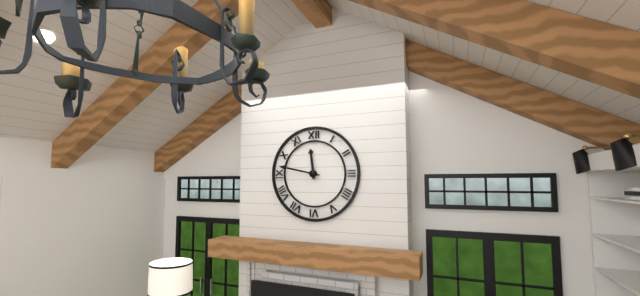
11:47
